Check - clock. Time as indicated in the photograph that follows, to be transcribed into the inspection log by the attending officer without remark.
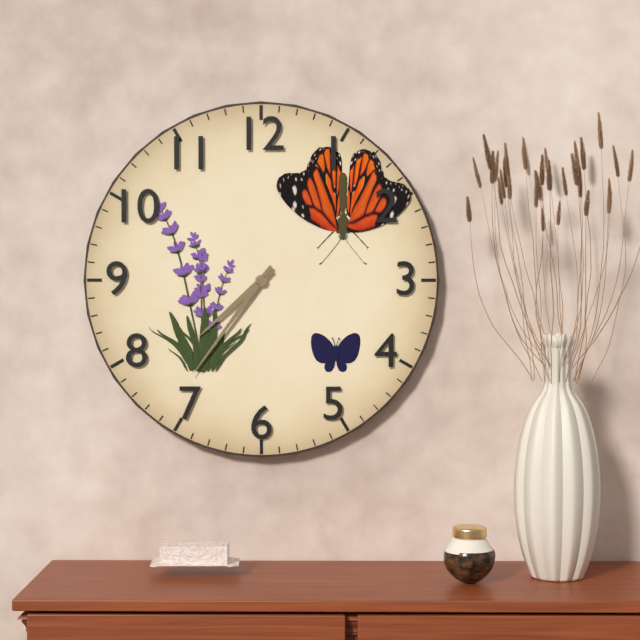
7:36
